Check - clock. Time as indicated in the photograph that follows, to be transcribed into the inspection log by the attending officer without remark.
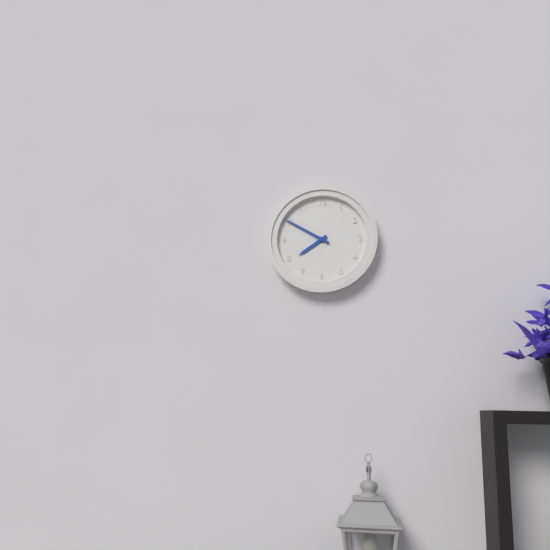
7:50
